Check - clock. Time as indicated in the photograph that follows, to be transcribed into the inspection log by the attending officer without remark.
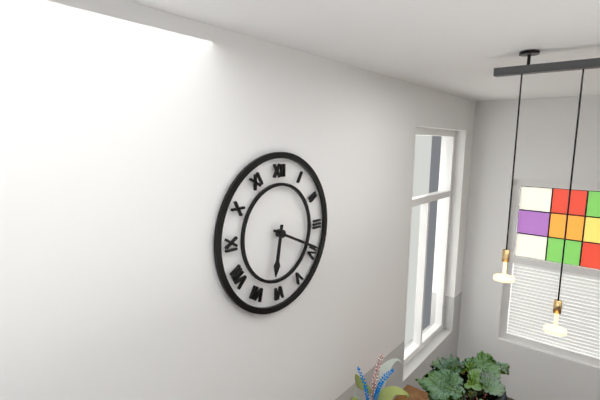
6:19
